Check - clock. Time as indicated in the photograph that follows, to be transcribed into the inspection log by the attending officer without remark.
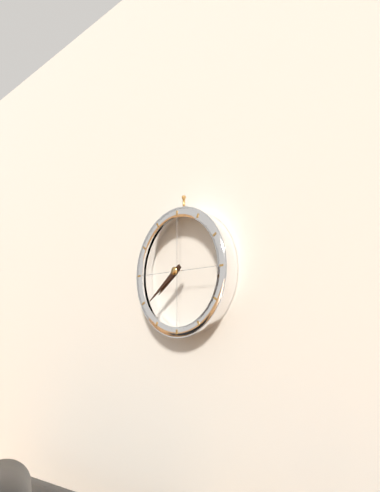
7:39
